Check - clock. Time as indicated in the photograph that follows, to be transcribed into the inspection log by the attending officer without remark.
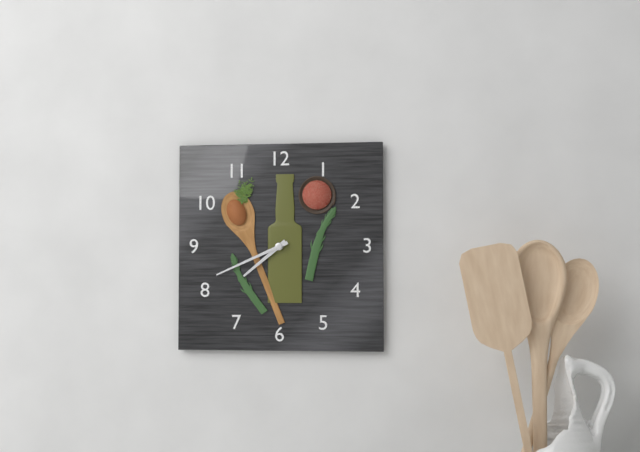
7:41
